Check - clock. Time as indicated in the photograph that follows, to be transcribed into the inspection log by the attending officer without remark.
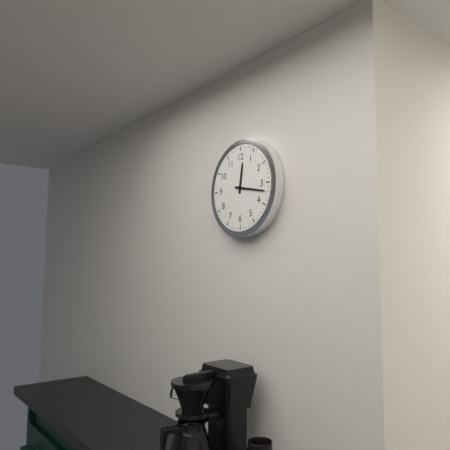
12:17
